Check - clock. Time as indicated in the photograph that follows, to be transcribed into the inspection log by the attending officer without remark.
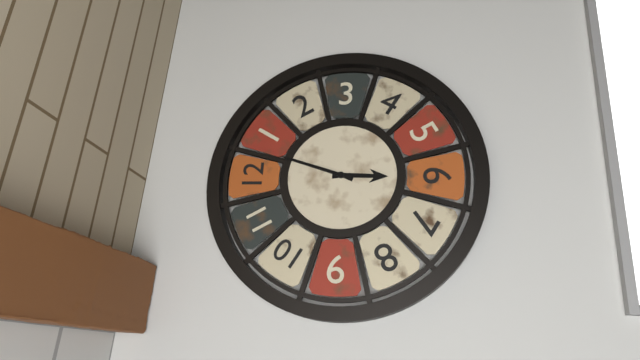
6:03
